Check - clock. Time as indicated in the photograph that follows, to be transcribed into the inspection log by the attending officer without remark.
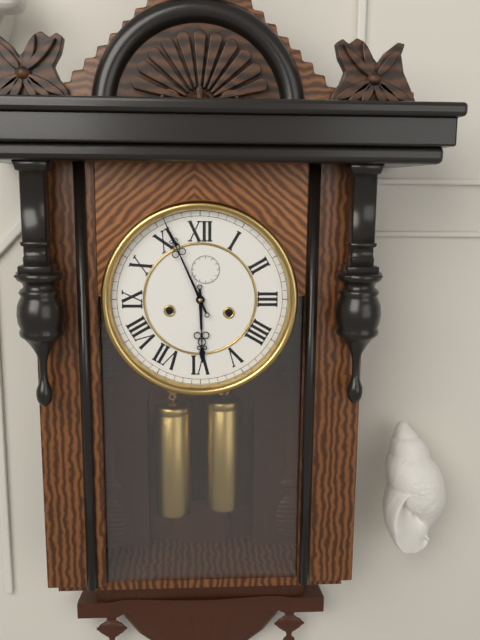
5:56
